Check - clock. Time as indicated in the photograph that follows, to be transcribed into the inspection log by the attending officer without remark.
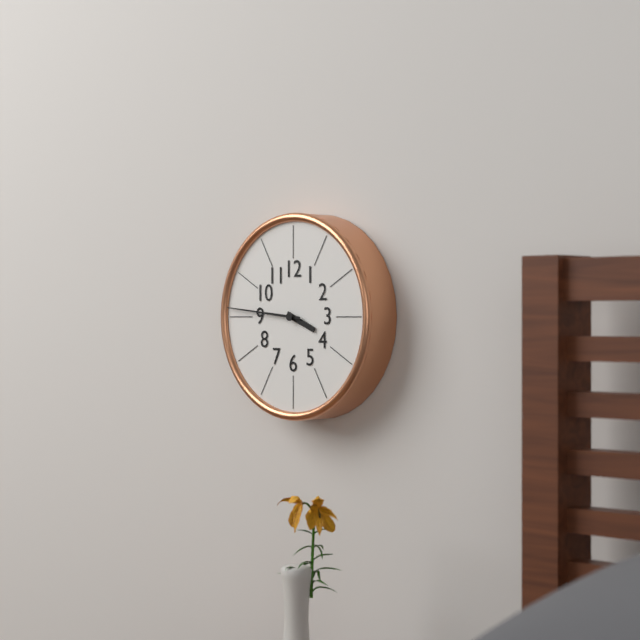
3:46
